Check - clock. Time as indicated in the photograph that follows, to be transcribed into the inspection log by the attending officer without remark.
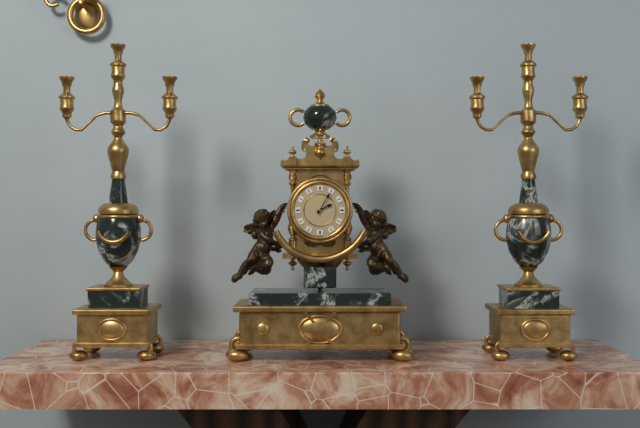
2:05
